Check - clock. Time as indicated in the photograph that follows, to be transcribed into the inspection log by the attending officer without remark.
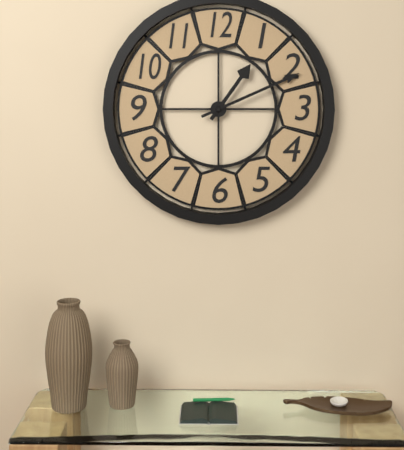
1:11
